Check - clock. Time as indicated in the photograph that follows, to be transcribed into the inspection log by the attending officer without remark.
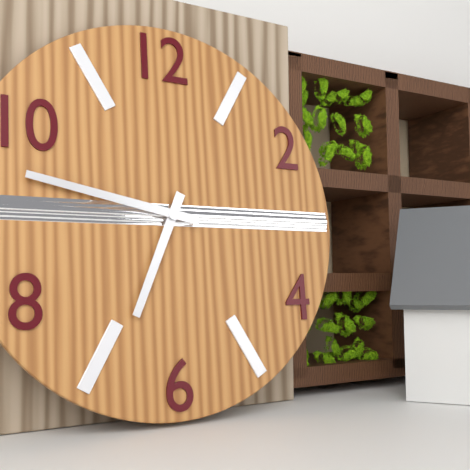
6:47
